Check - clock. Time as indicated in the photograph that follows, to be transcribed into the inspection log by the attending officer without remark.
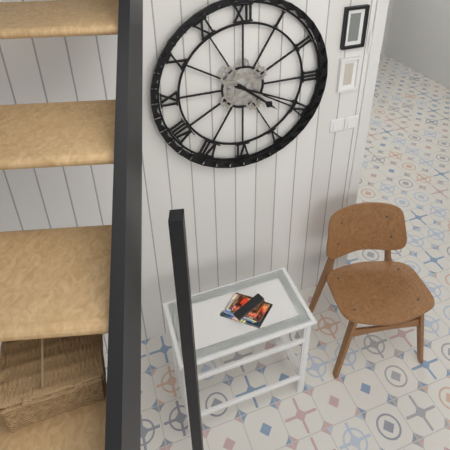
4:19
